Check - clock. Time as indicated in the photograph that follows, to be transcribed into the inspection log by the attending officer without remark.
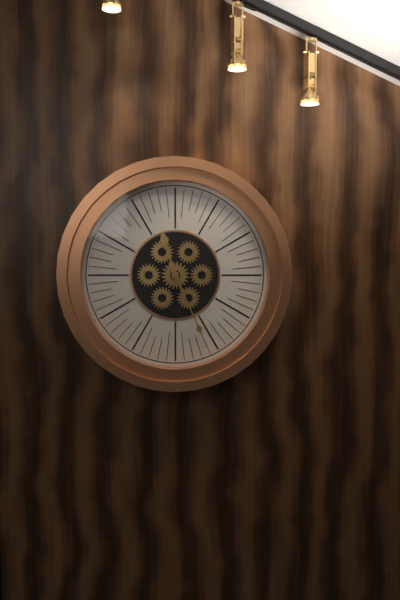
11:26
